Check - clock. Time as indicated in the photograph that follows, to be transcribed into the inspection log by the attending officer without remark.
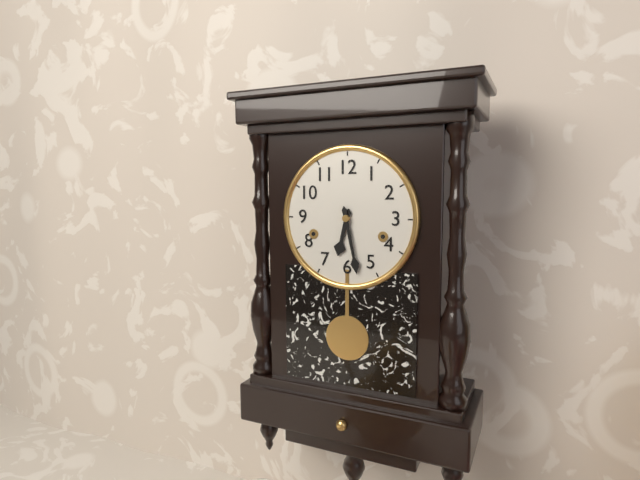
6:28
